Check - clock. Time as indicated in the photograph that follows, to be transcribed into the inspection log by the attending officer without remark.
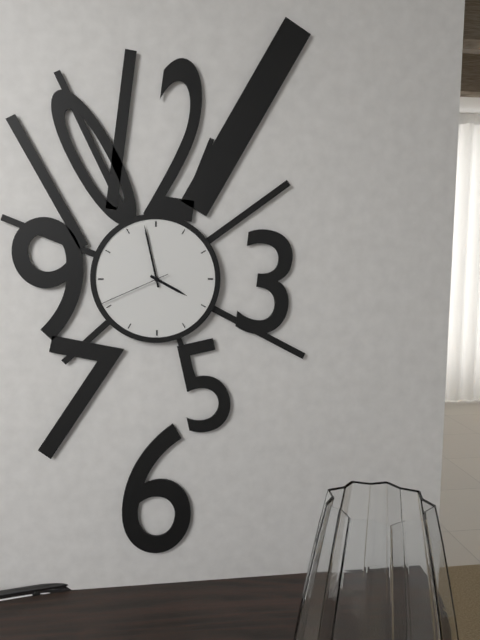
3:58:41
